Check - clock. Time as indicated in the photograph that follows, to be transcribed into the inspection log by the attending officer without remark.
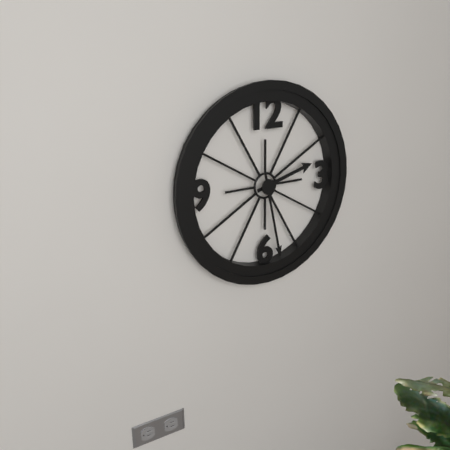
2:28
